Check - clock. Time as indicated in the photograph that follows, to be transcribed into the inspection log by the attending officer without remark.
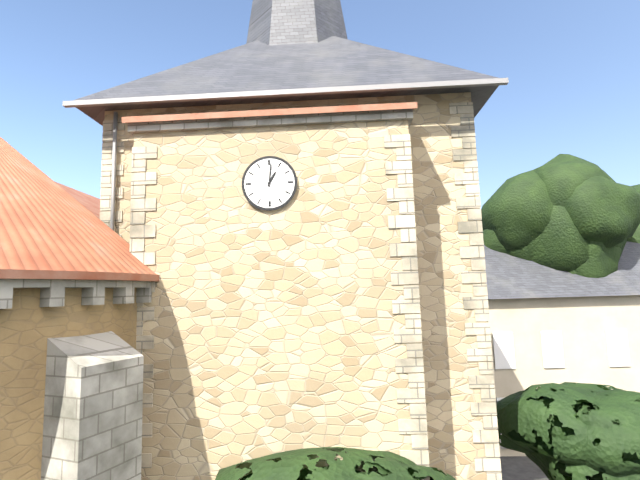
1:01
